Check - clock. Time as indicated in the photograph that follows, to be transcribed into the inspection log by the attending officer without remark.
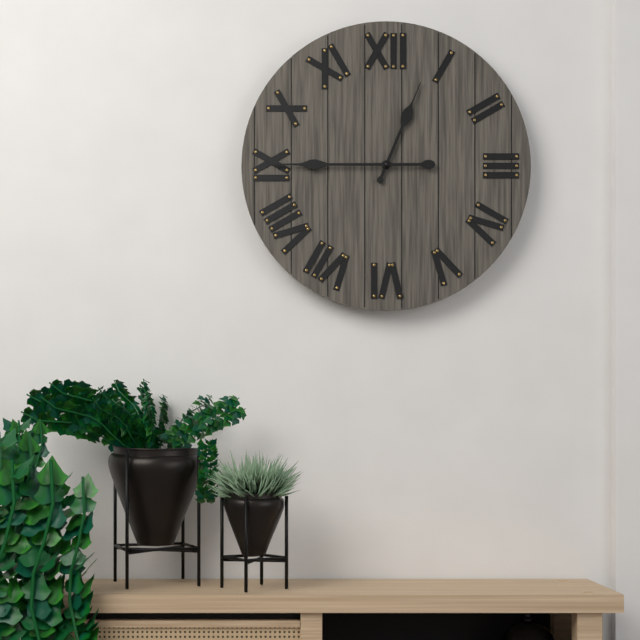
12:45
